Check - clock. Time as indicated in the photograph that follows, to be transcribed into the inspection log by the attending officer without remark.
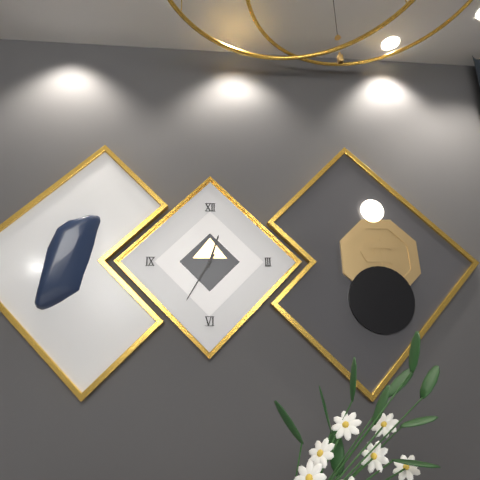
12:35
